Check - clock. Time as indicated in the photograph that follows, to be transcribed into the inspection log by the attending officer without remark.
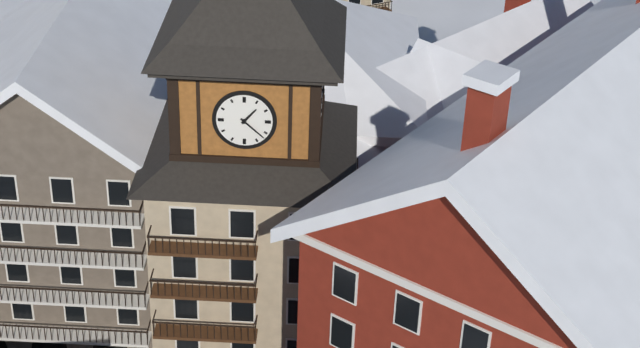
1:22
